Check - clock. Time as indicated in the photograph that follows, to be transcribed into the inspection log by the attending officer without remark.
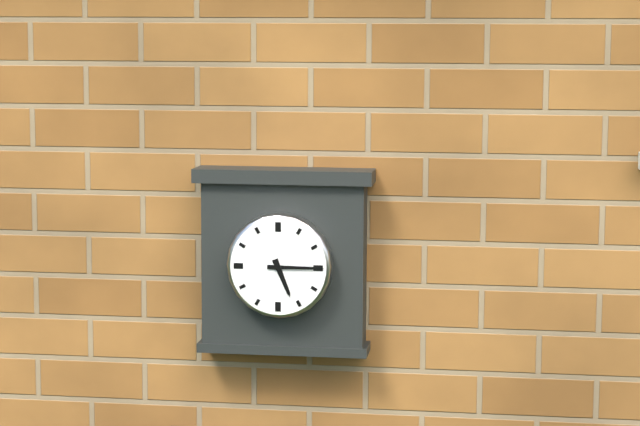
5:15
